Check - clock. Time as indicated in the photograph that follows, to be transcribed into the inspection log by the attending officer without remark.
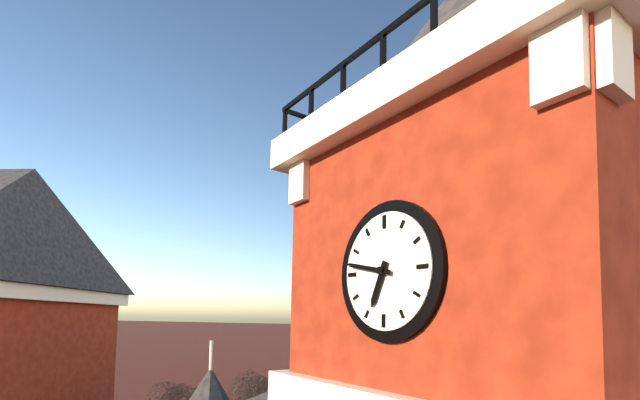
6:47
